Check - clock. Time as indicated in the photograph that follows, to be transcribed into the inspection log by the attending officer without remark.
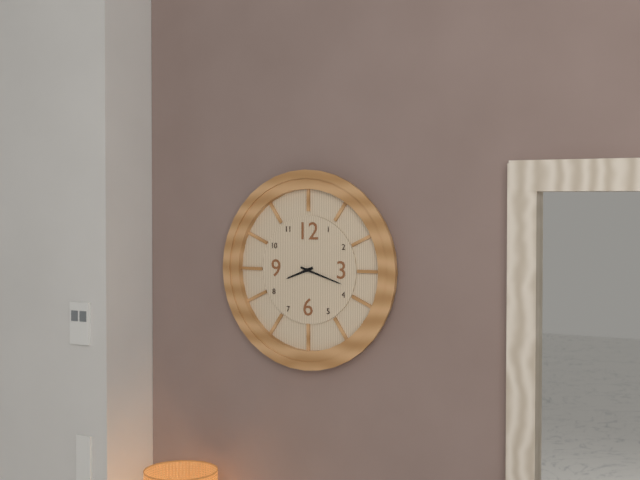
8:18
